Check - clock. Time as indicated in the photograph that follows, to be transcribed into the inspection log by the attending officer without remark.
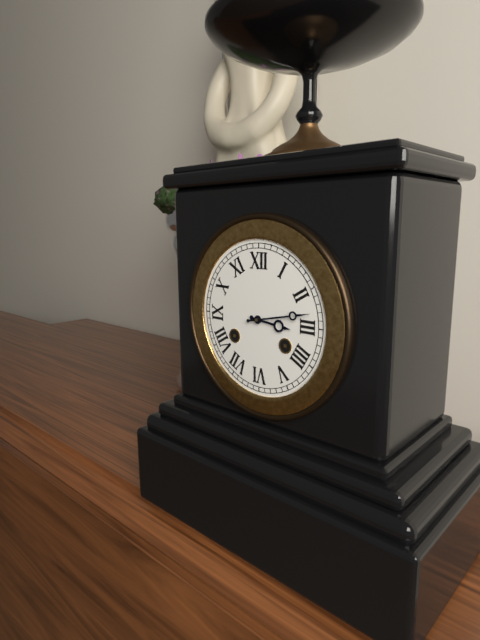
3:13
